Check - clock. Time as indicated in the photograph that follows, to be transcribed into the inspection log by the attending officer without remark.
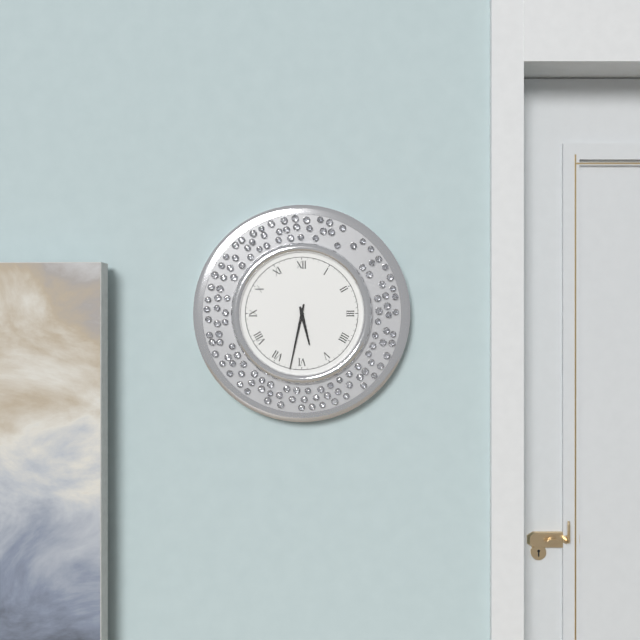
5:32
